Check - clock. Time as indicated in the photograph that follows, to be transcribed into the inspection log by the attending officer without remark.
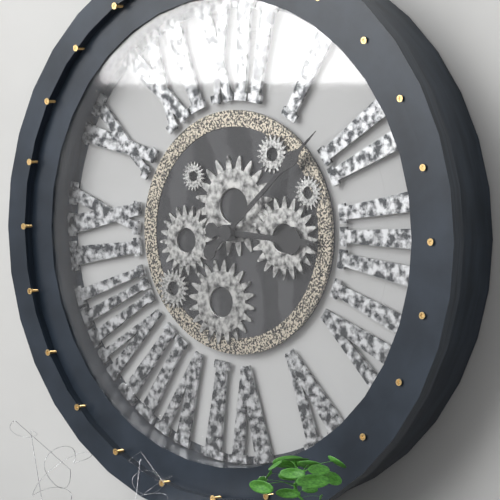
3:08
